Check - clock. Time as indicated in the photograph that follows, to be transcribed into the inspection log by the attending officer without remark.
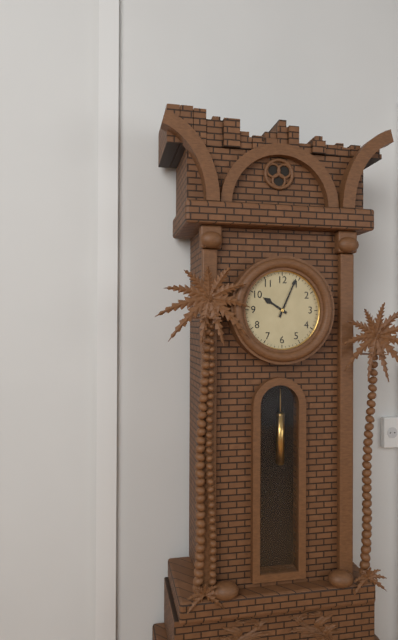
10:04
